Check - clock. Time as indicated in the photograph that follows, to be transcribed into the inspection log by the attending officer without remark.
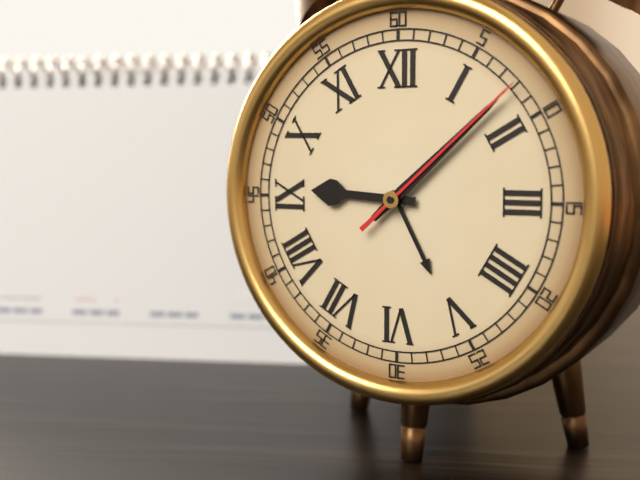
9:08:08
